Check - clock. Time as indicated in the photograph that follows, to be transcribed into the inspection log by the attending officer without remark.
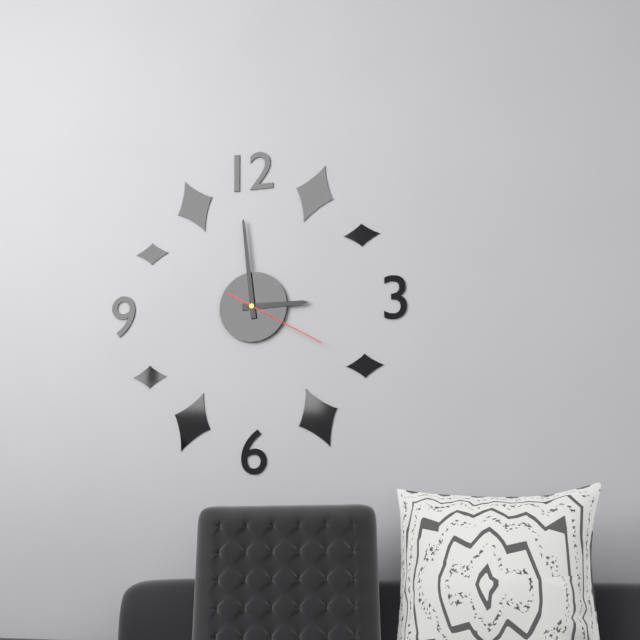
2:59:20
